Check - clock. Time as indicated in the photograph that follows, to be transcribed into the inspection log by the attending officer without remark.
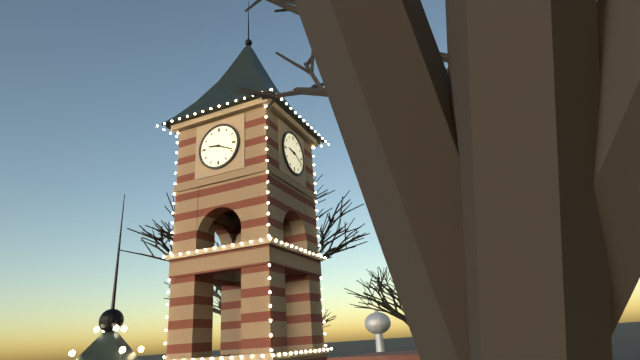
9:19
